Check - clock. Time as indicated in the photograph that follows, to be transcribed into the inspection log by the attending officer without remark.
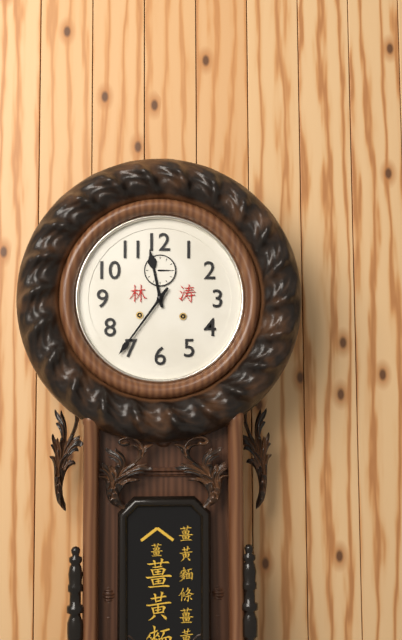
11:36
